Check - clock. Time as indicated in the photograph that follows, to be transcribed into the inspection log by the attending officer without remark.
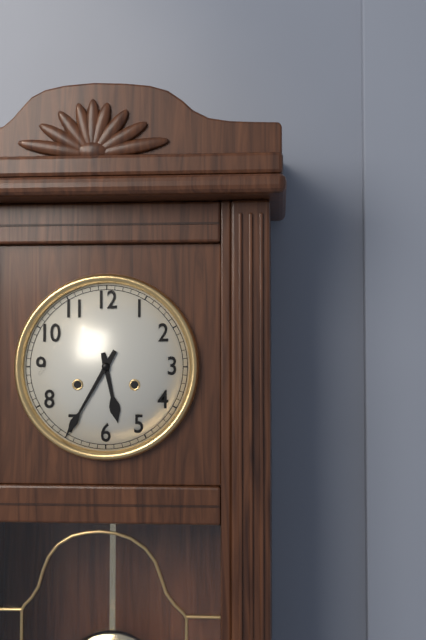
5:35
